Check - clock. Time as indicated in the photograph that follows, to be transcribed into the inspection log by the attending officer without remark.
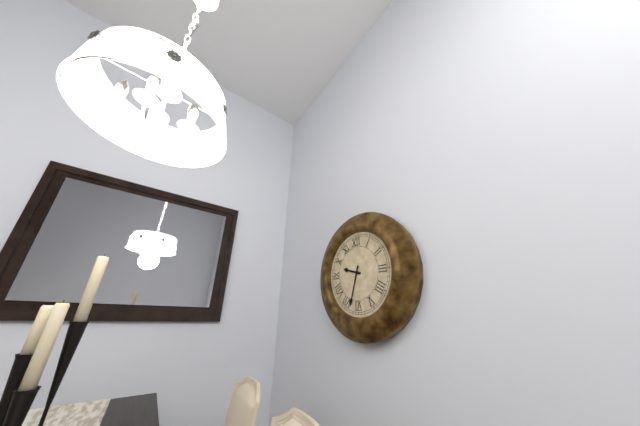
9:33
